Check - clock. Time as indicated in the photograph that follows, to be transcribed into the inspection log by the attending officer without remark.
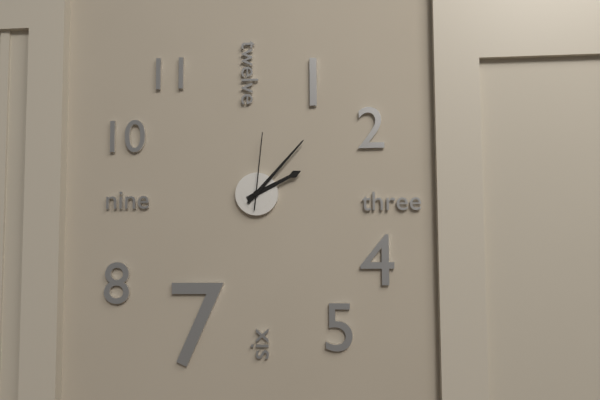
2:07:01
